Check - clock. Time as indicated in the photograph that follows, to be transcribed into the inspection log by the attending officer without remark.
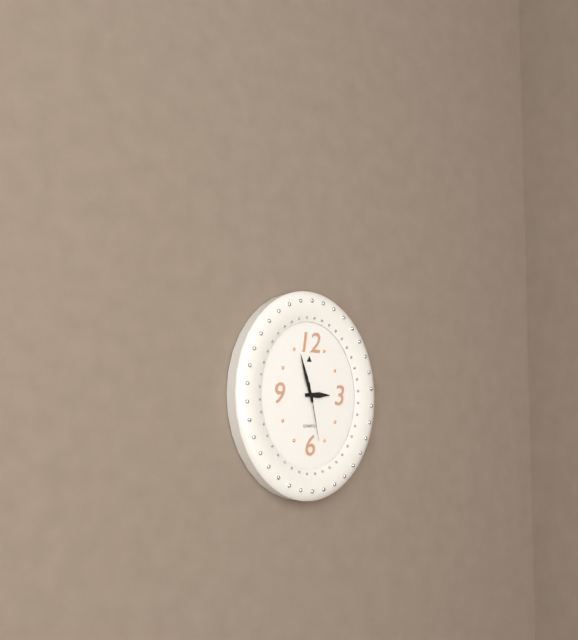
2:57:28
